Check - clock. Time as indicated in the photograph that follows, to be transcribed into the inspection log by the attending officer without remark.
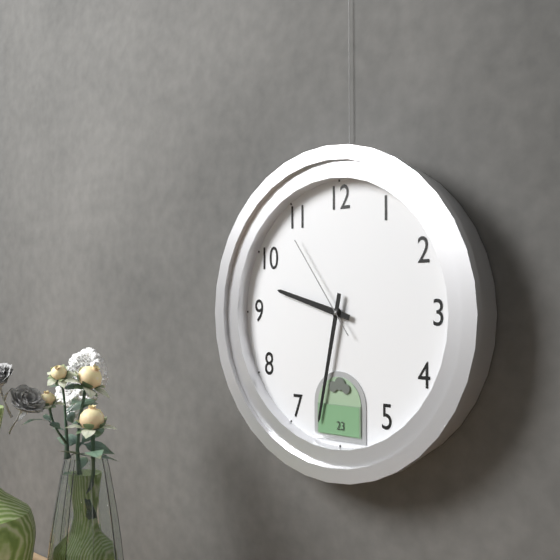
9:32:54
